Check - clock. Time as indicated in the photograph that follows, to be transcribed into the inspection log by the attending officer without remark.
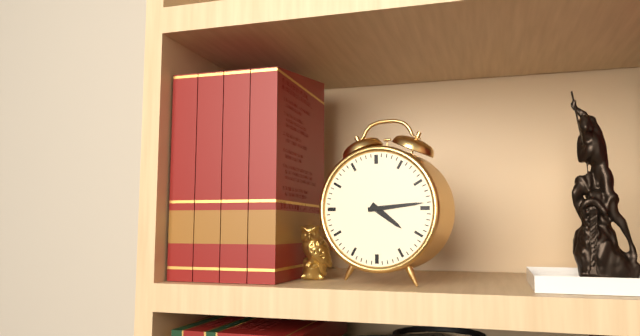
4:14
